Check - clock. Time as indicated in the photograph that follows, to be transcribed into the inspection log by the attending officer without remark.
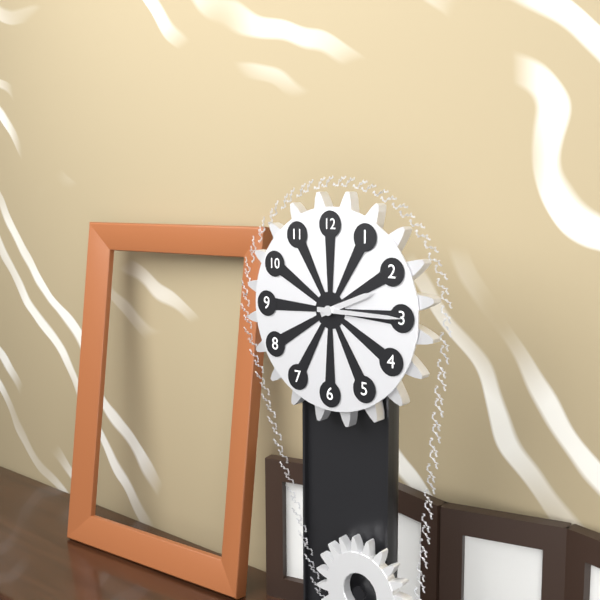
2:15
